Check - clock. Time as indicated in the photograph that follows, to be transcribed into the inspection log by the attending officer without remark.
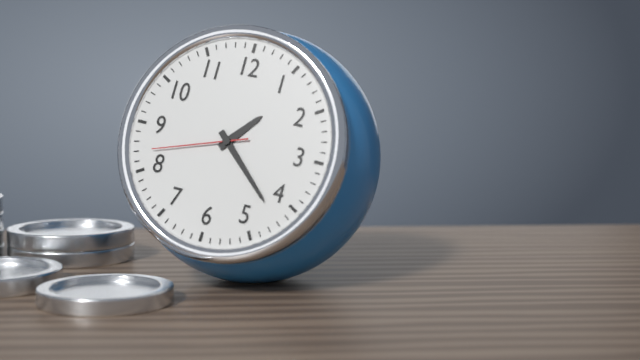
1:22:42
